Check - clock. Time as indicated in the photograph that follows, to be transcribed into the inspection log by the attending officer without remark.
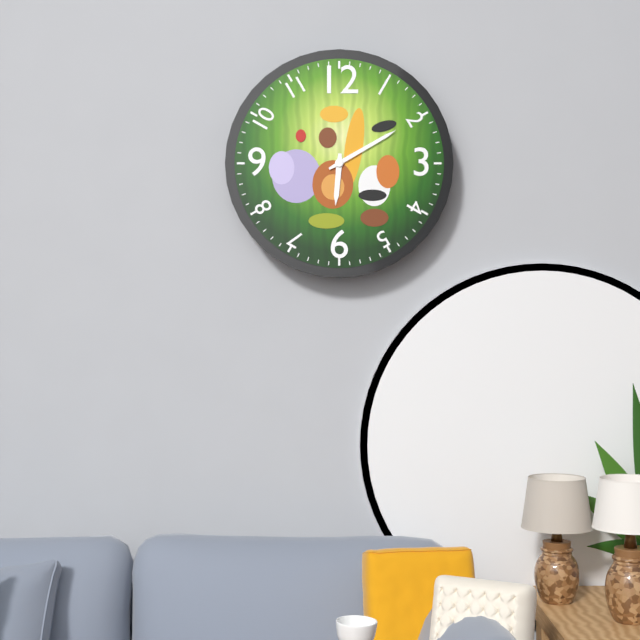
6:10
